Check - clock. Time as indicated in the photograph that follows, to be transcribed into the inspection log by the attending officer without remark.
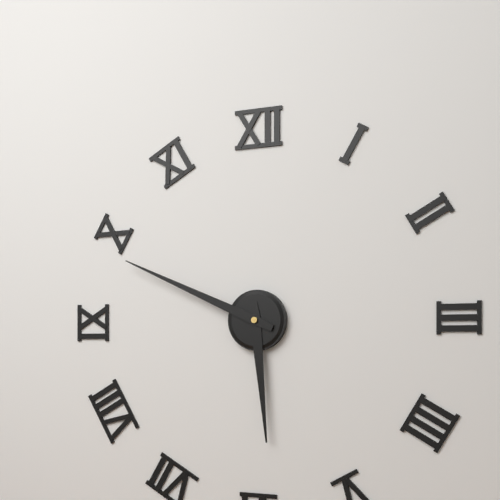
5:49
